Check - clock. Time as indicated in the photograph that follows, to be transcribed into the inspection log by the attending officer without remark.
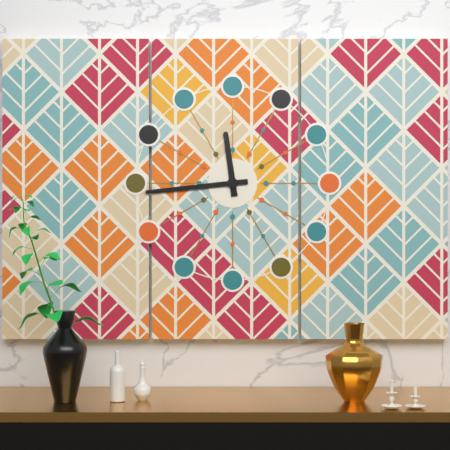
11:44
